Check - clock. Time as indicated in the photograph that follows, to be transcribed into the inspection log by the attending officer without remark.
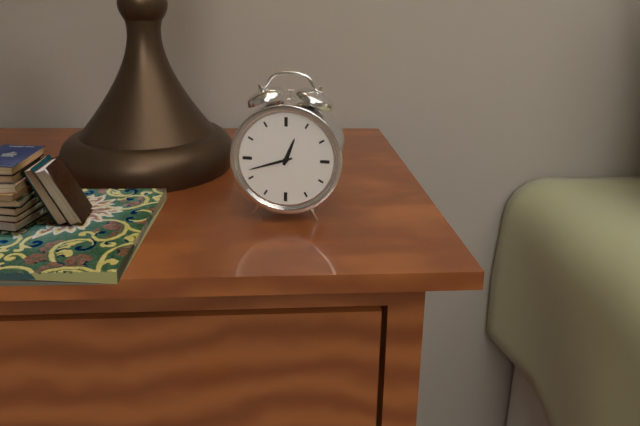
12:42
